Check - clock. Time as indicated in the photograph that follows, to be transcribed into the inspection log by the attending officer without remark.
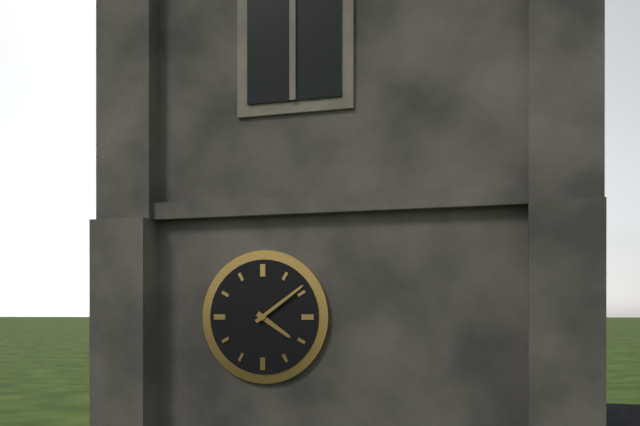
4:09
